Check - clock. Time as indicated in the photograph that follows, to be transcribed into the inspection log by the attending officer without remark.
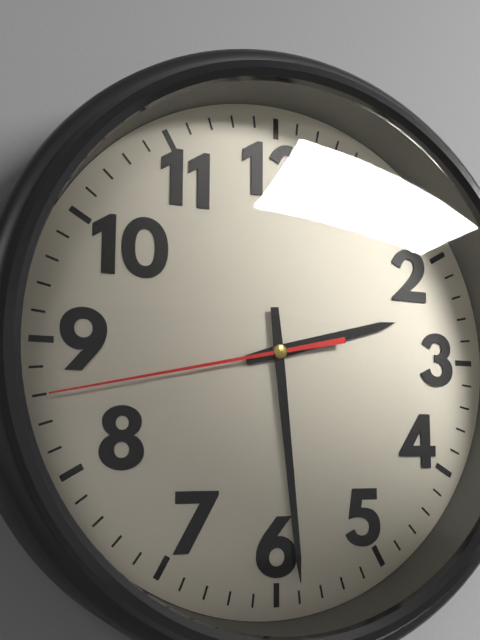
2:29:43
